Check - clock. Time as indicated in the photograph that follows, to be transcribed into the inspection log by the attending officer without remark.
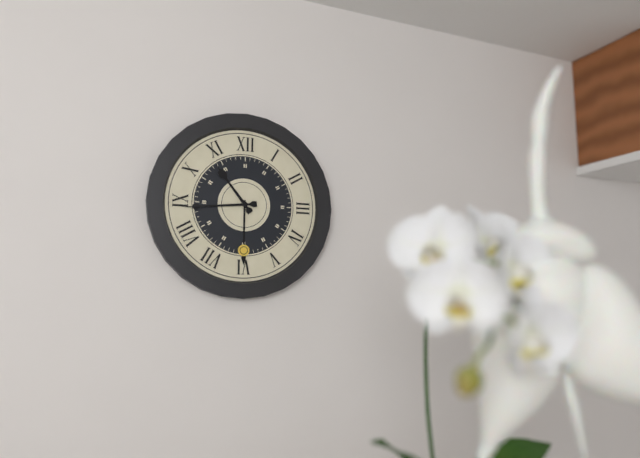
10:44
